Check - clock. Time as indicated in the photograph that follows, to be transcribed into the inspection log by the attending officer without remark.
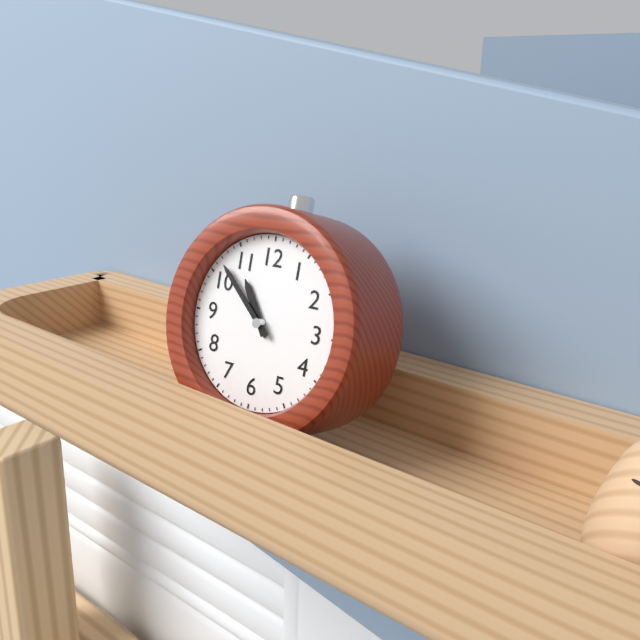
10:52
